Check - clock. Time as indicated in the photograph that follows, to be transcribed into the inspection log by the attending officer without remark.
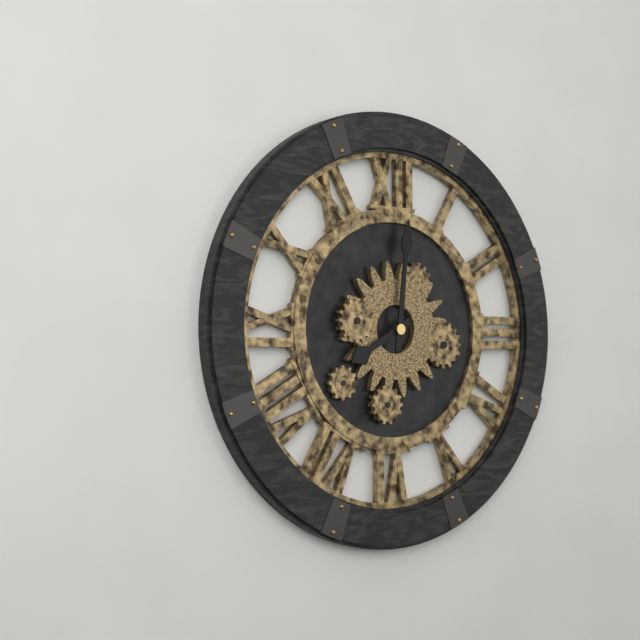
8:01
